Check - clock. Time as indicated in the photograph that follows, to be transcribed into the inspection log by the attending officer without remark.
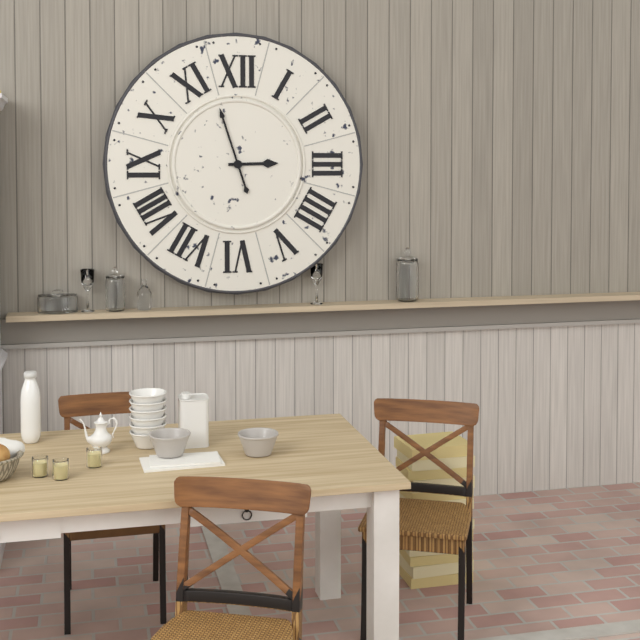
2:57
